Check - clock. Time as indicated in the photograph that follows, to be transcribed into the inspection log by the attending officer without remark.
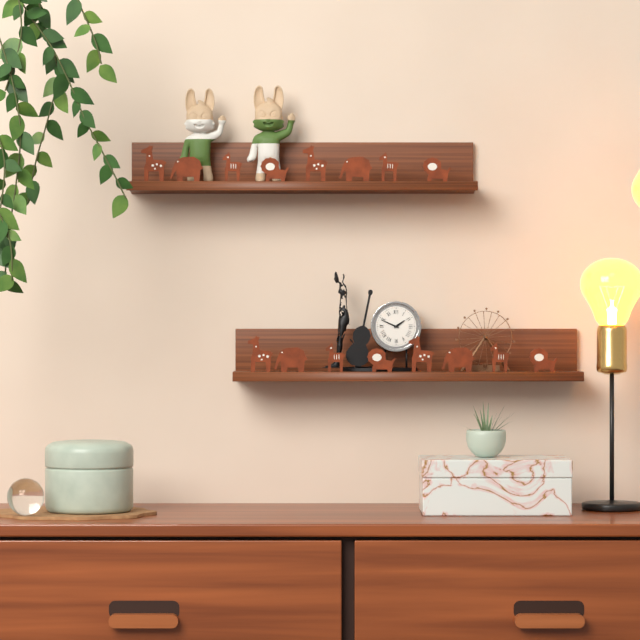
1:49
